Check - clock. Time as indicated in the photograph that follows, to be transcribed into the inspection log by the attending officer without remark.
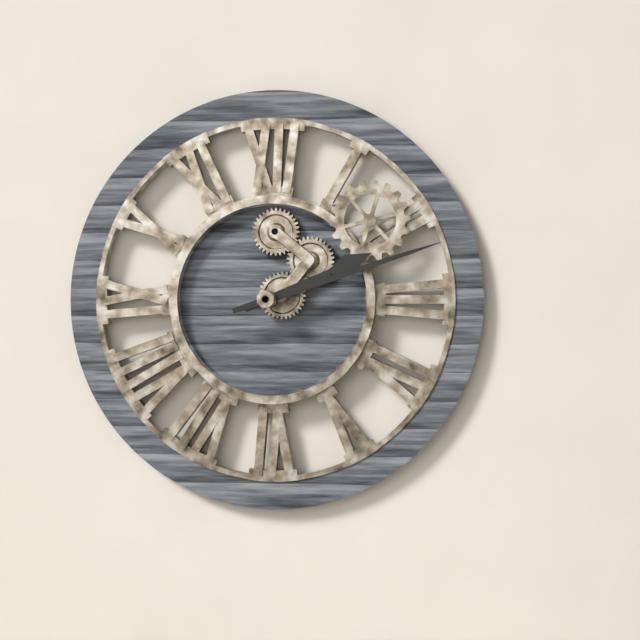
2:12
